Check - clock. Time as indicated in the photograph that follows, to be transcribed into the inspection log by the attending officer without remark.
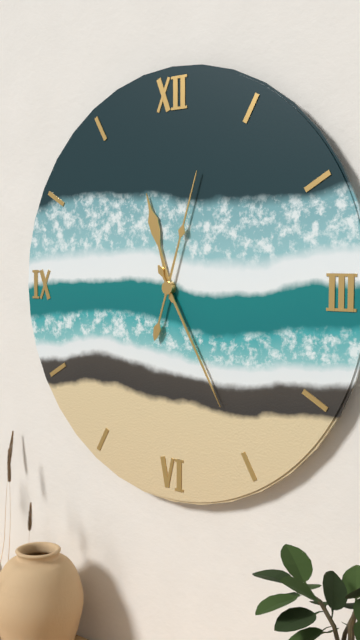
11:25:03
